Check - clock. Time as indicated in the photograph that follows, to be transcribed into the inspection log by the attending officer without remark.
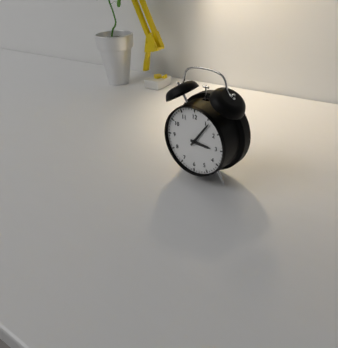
3:06
